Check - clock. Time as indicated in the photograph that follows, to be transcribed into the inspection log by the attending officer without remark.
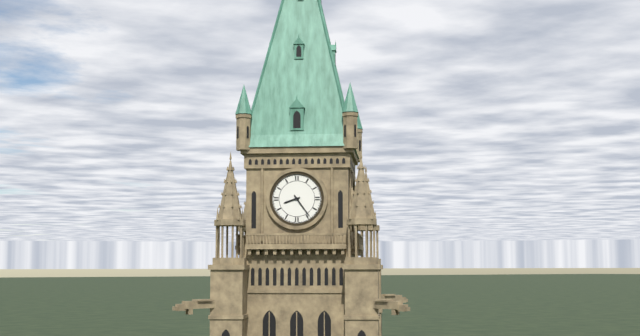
8:24
